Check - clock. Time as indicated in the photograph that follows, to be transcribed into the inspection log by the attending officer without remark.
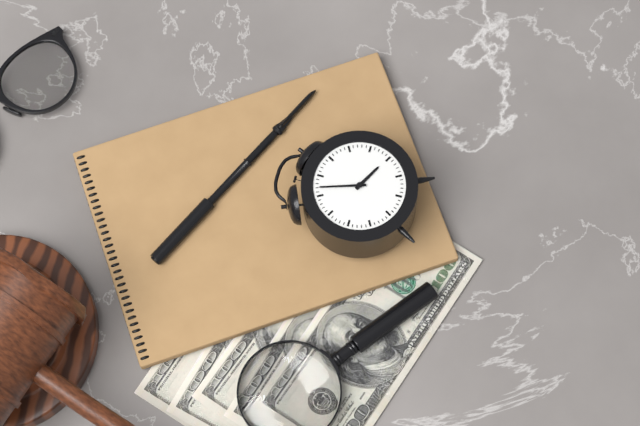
3:57
